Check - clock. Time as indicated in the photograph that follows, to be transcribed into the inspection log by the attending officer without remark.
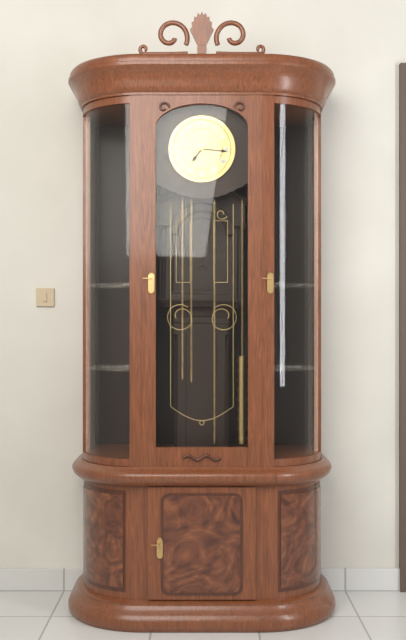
7:16
